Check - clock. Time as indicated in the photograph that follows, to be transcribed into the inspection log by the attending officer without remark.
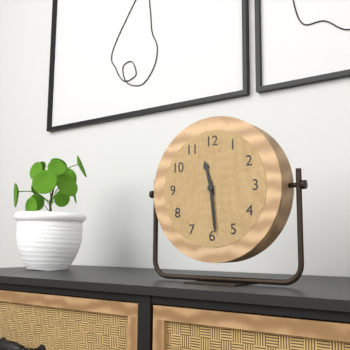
11:29
